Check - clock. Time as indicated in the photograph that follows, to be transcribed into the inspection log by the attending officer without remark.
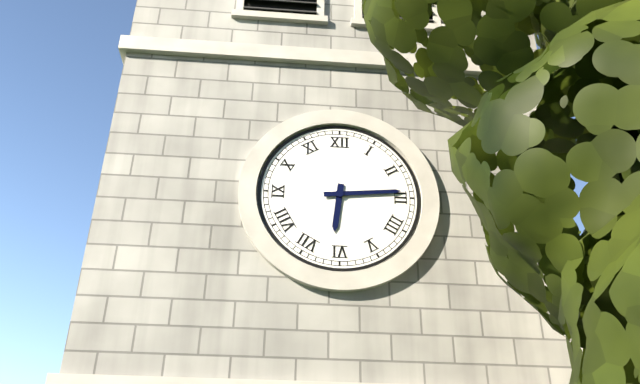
6:14
